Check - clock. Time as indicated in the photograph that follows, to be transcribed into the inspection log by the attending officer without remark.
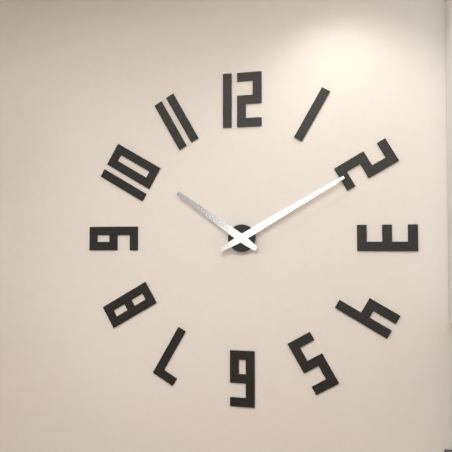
10:10
